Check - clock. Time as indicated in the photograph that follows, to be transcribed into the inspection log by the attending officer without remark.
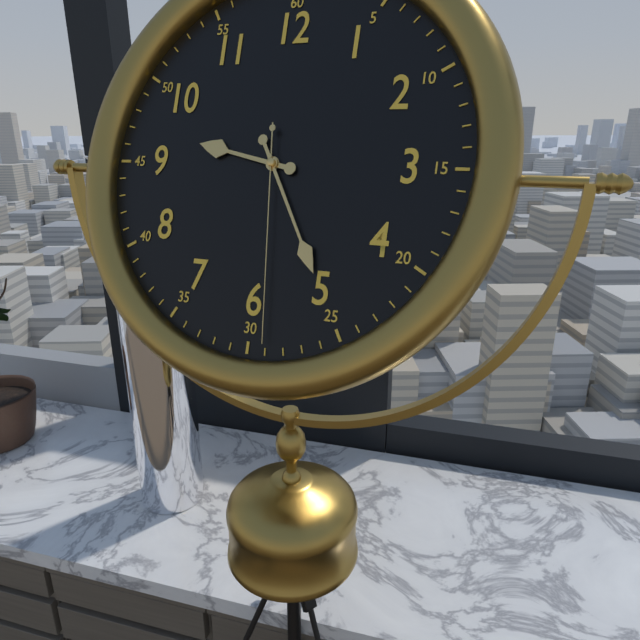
9:25:29
